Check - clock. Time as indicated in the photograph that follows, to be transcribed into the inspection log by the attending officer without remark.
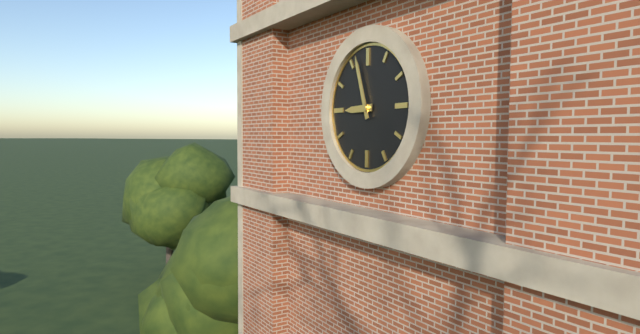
8:57
